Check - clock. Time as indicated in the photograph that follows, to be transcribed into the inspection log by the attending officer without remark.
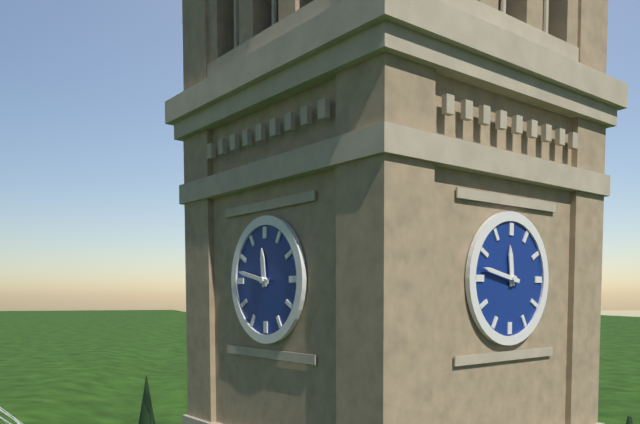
11:47
